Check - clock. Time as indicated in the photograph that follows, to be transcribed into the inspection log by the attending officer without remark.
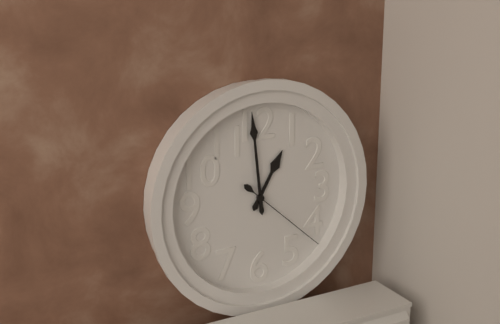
12:59:22
